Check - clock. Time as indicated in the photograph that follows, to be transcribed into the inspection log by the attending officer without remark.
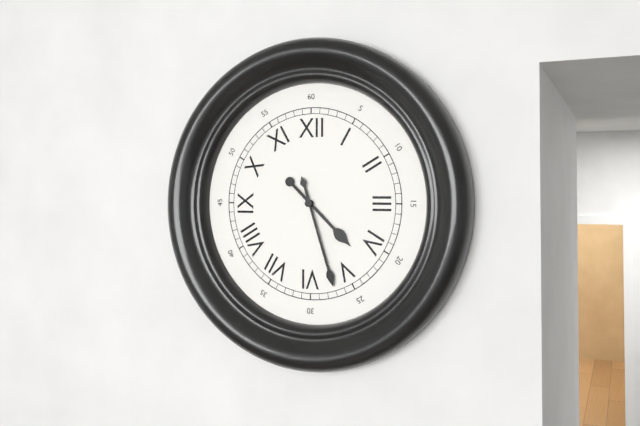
4:27
